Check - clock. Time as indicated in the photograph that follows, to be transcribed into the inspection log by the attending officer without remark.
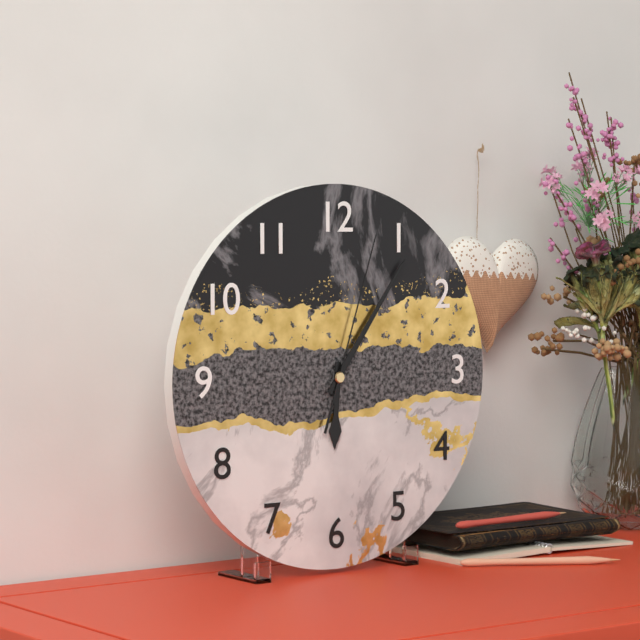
6:06:03
